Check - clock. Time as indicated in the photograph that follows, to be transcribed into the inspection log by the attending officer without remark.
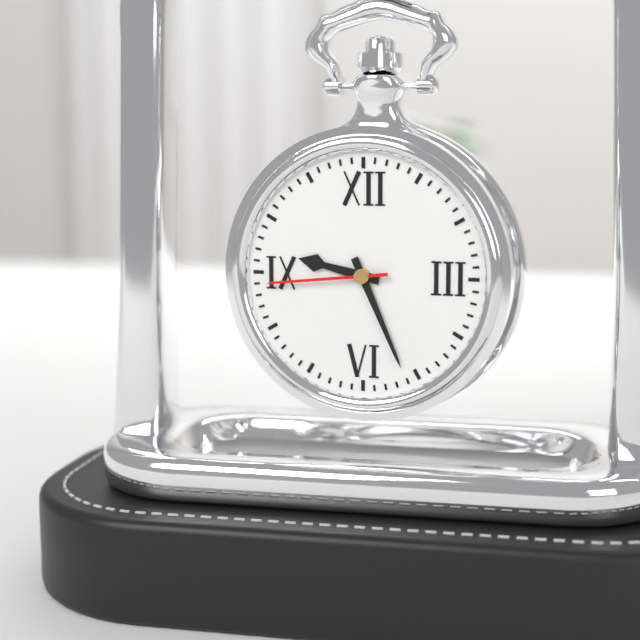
9:26:44
